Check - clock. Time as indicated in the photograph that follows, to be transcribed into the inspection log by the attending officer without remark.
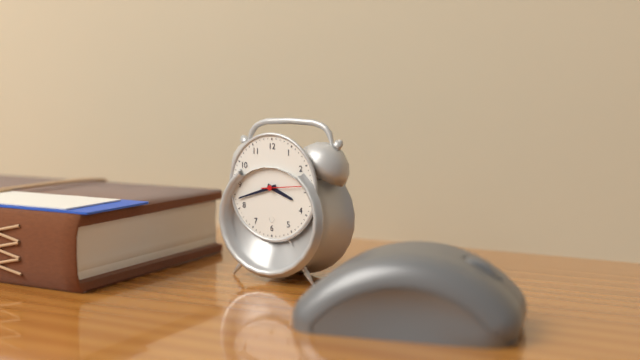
3:42
